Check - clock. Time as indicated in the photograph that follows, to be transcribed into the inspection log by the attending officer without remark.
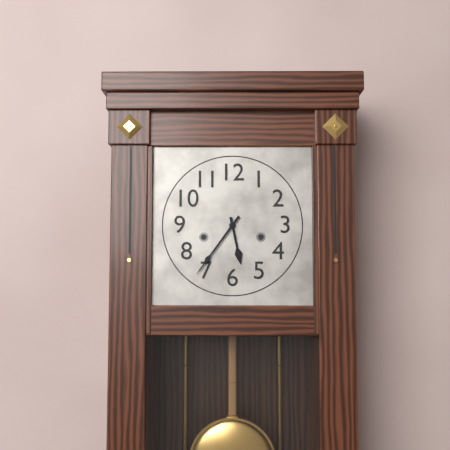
5:36
